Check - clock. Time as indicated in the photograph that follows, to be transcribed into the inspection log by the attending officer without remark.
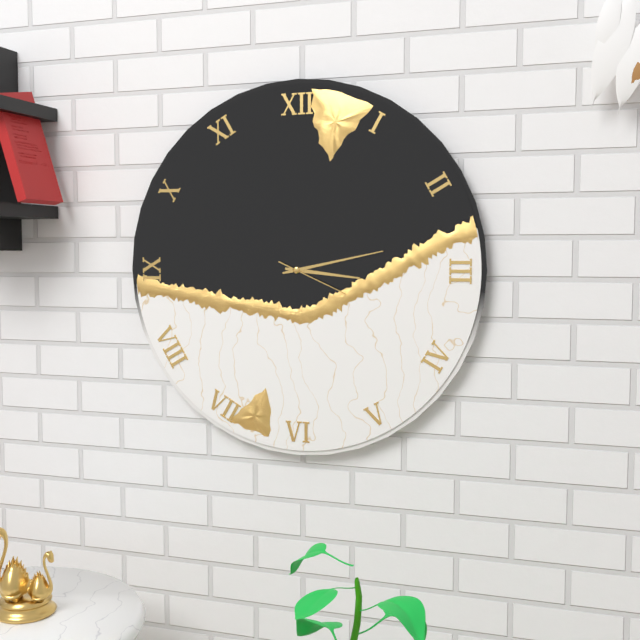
3:13:19
